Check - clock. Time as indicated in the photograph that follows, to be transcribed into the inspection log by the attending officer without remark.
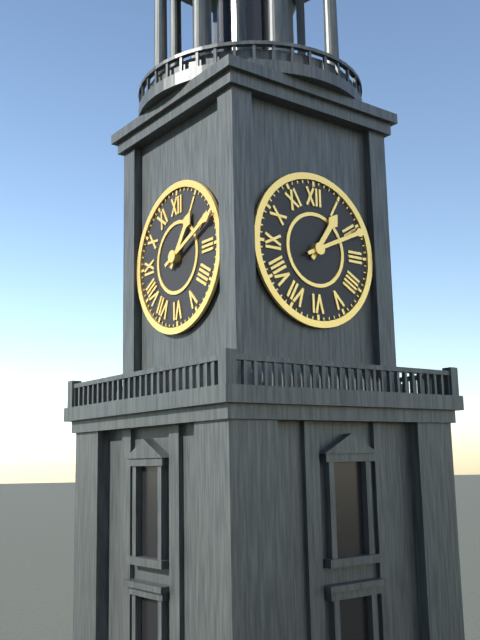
1:11
